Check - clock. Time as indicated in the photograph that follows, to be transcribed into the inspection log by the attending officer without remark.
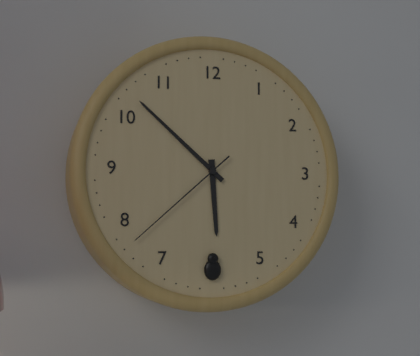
5:52:38
